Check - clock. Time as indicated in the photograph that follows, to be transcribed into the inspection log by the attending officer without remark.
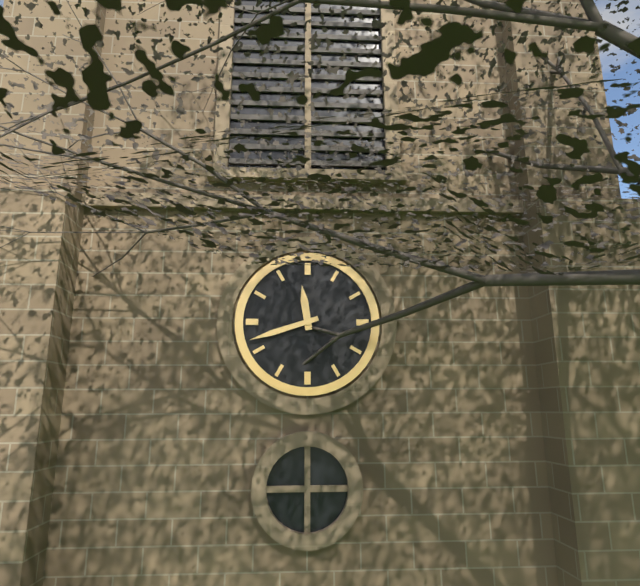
11:42
